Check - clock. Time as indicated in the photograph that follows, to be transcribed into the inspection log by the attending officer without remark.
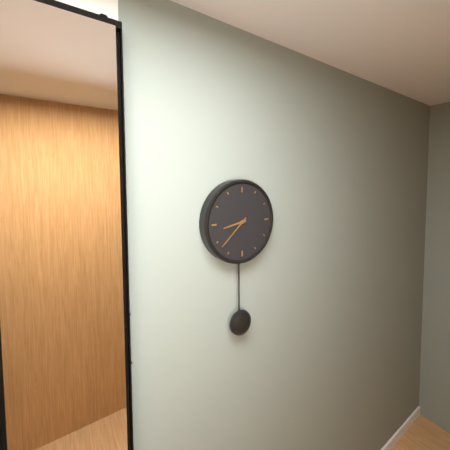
8:38
